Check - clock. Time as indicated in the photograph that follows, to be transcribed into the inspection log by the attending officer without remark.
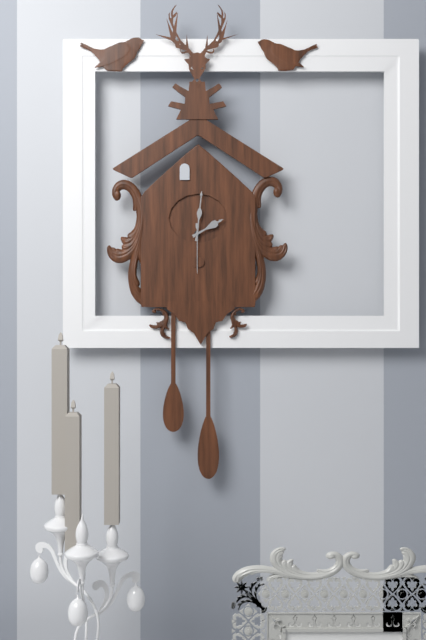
2:01:30
